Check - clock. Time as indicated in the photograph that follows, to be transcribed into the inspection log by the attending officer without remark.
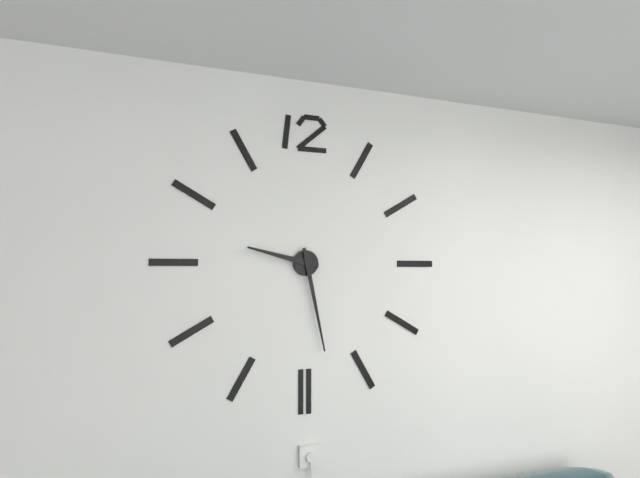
9:28
